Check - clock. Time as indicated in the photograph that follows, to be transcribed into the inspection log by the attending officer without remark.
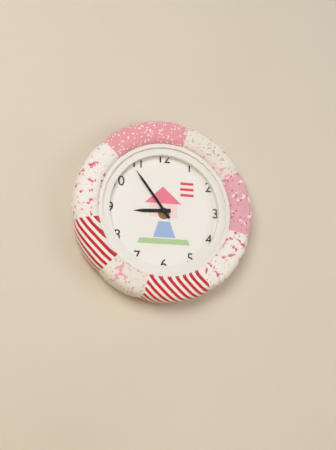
8:54
